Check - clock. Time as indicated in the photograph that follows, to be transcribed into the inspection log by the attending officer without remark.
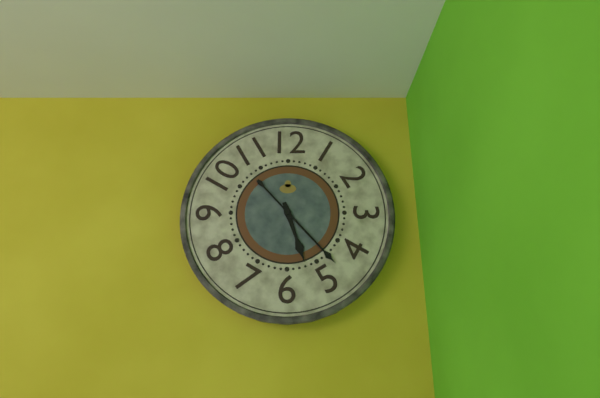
5:23
